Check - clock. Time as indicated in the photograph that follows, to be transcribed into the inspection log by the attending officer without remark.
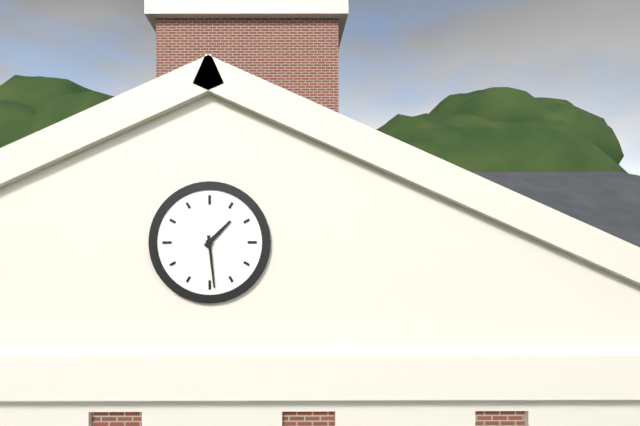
1:29
